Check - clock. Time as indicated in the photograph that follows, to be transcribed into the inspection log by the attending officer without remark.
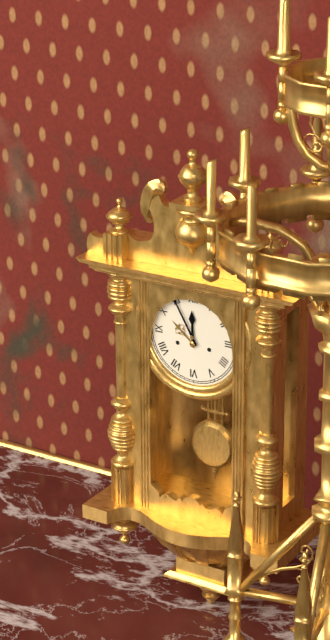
11:55
